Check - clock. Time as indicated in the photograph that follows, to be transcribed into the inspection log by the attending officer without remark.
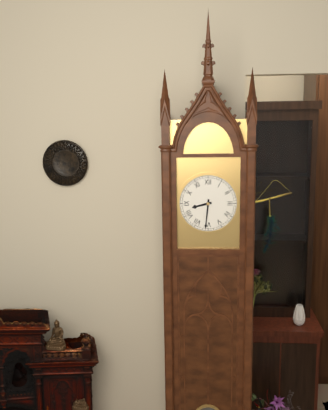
8:31
